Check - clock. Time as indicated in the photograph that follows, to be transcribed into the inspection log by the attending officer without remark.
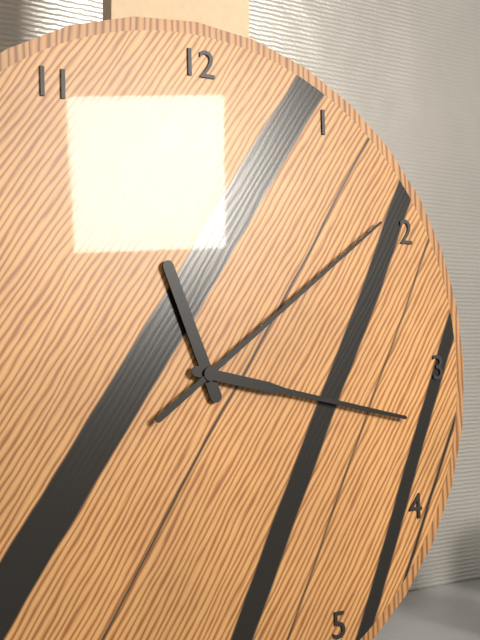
11:17:09
